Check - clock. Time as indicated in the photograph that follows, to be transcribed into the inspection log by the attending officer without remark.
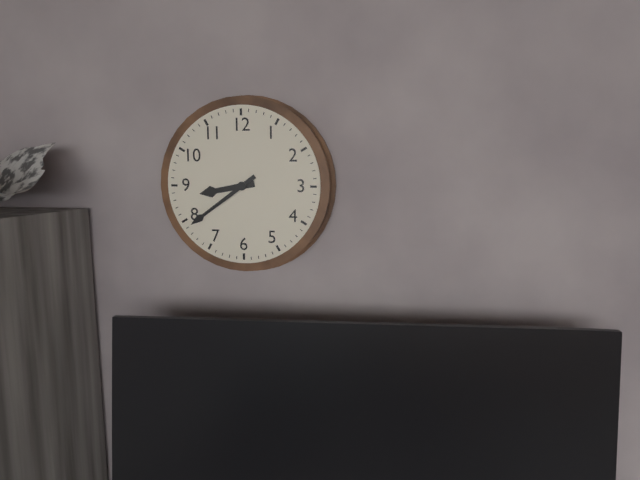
8:39
